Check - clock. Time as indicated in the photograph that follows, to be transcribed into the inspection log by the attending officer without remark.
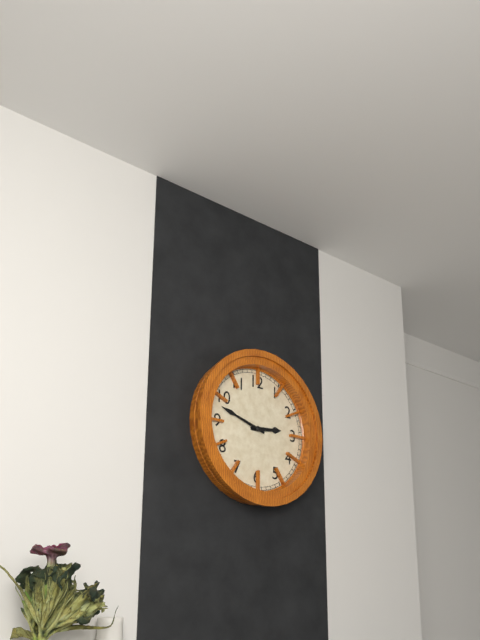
2:48
